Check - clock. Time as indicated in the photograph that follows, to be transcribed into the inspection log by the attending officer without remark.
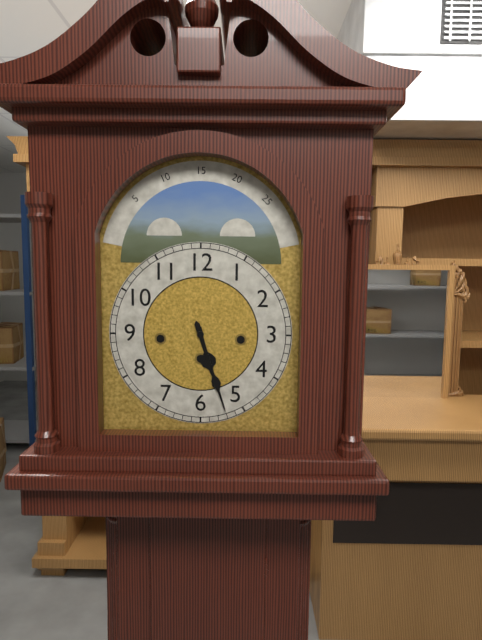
5:27
